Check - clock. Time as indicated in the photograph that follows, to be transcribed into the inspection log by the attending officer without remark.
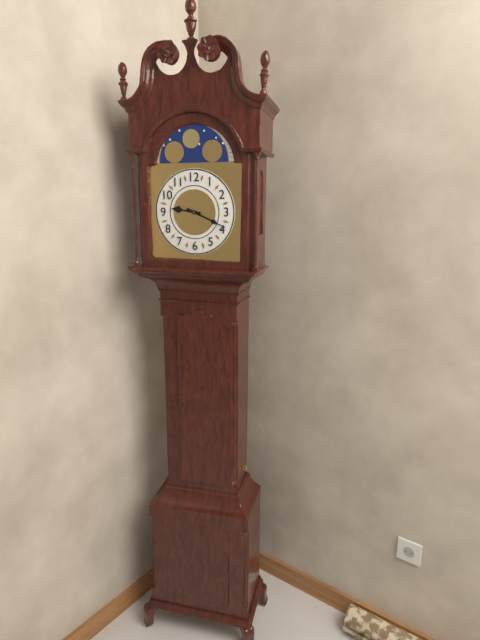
9:19
